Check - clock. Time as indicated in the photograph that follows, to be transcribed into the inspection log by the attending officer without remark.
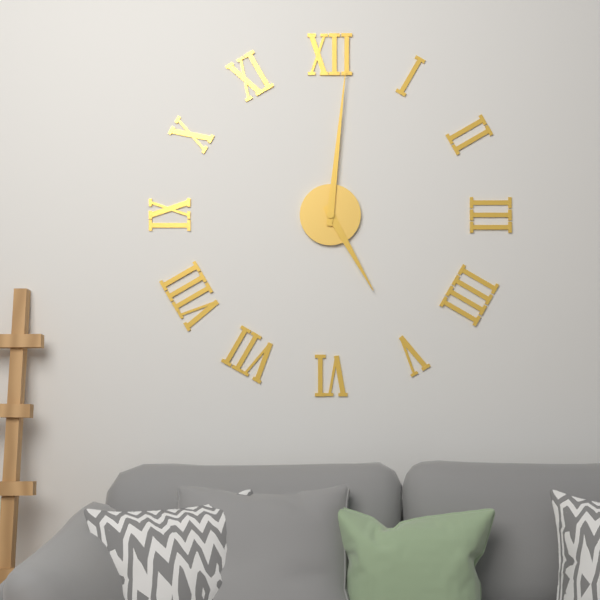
5:01
